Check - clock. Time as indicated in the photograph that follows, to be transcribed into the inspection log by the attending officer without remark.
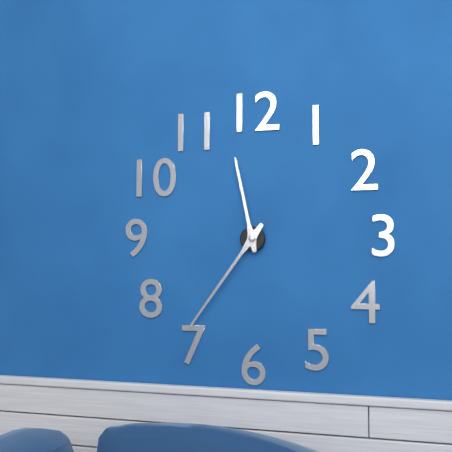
11:36
